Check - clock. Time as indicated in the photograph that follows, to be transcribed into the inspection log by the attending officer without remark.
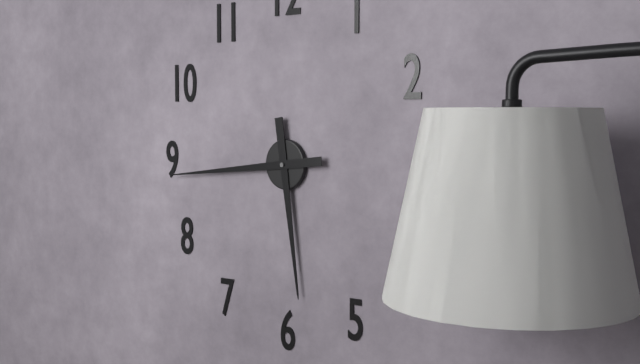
5:44
